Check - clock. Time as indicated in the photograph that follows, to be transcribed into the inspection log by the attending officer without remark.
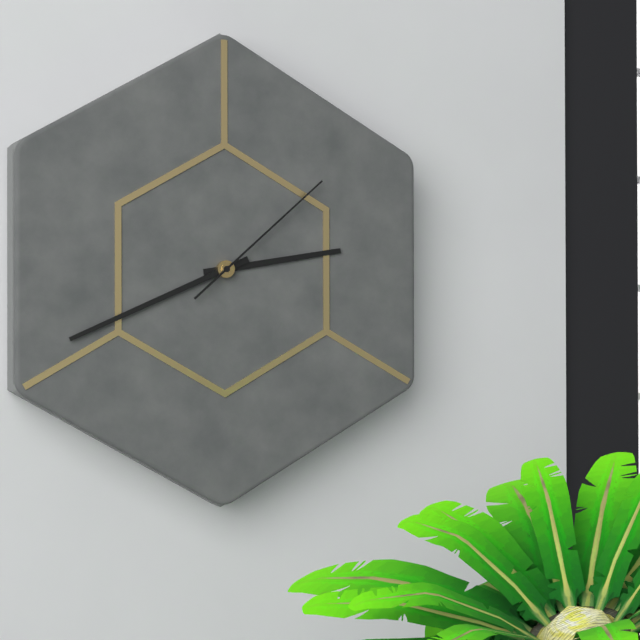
2:41:08
